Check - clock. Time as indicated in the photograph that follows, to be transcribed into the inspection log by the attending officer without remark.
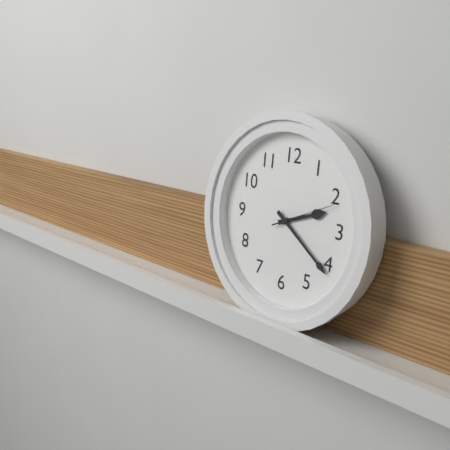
2:21:11
